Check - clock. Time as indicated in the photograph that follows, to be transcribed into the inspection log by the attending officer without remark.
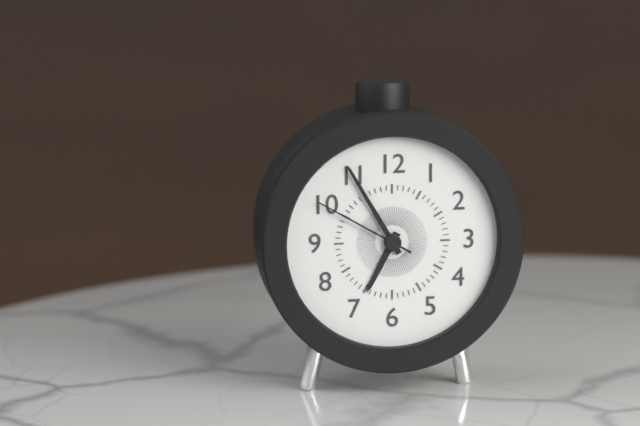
6:55:50
